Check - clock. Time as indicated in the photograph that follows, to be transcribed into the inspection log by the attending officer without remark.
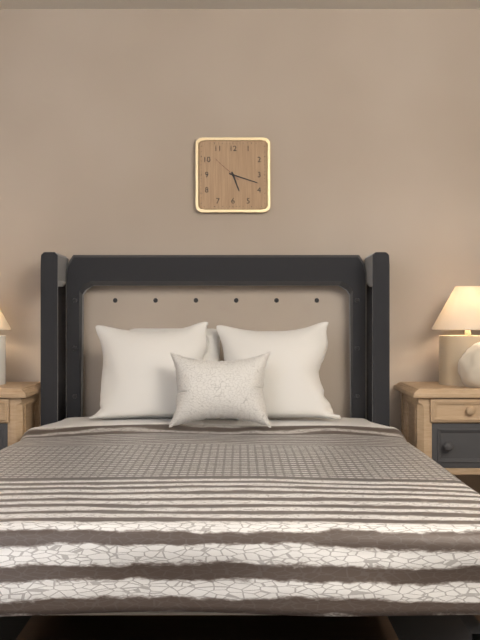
5:18
